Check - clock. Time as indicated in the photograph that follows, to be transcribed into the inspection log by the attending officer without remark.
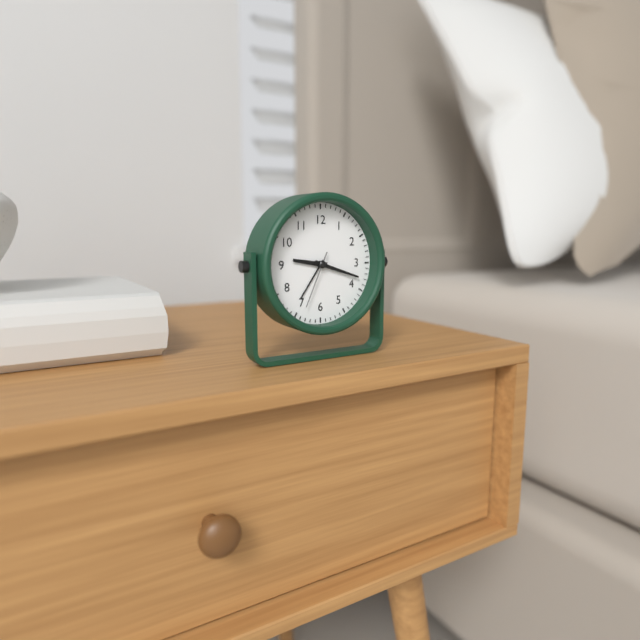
9:18:34
